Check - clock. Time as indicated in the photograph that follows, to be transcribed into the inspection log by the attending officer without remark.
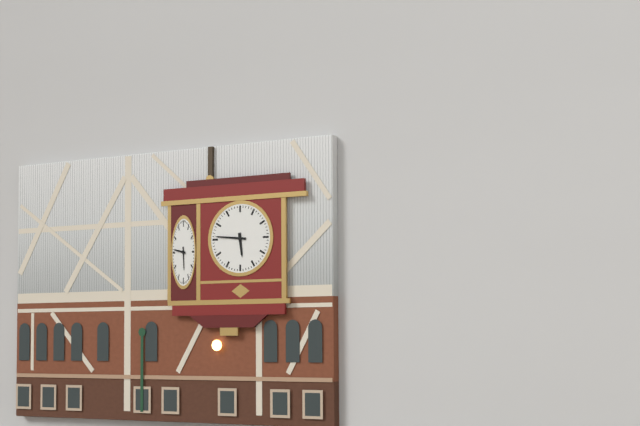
5:46
